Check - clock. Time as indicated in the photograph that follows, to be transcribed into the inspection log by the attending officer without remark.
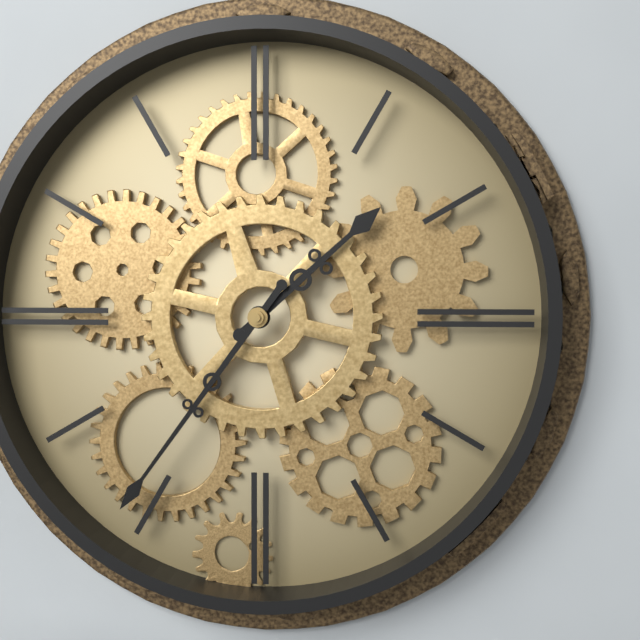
1:36
